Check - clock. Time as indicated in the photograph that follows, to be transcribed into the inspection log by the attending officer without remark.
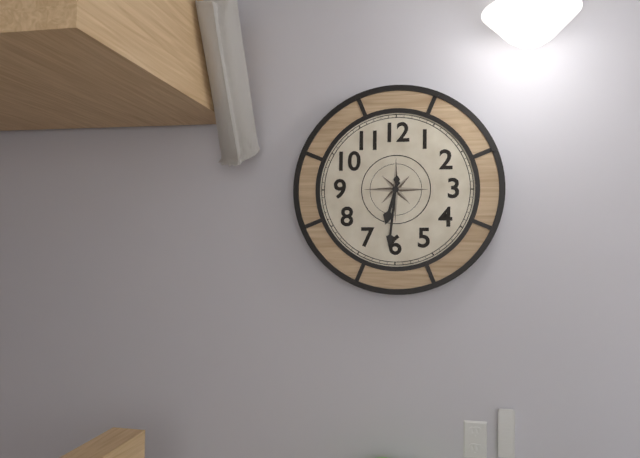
6:31
